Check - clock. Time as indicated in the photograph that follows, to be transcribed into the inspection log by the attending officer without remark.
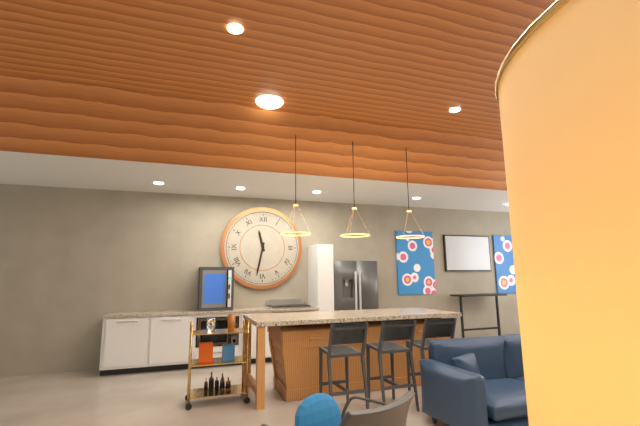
11:32
